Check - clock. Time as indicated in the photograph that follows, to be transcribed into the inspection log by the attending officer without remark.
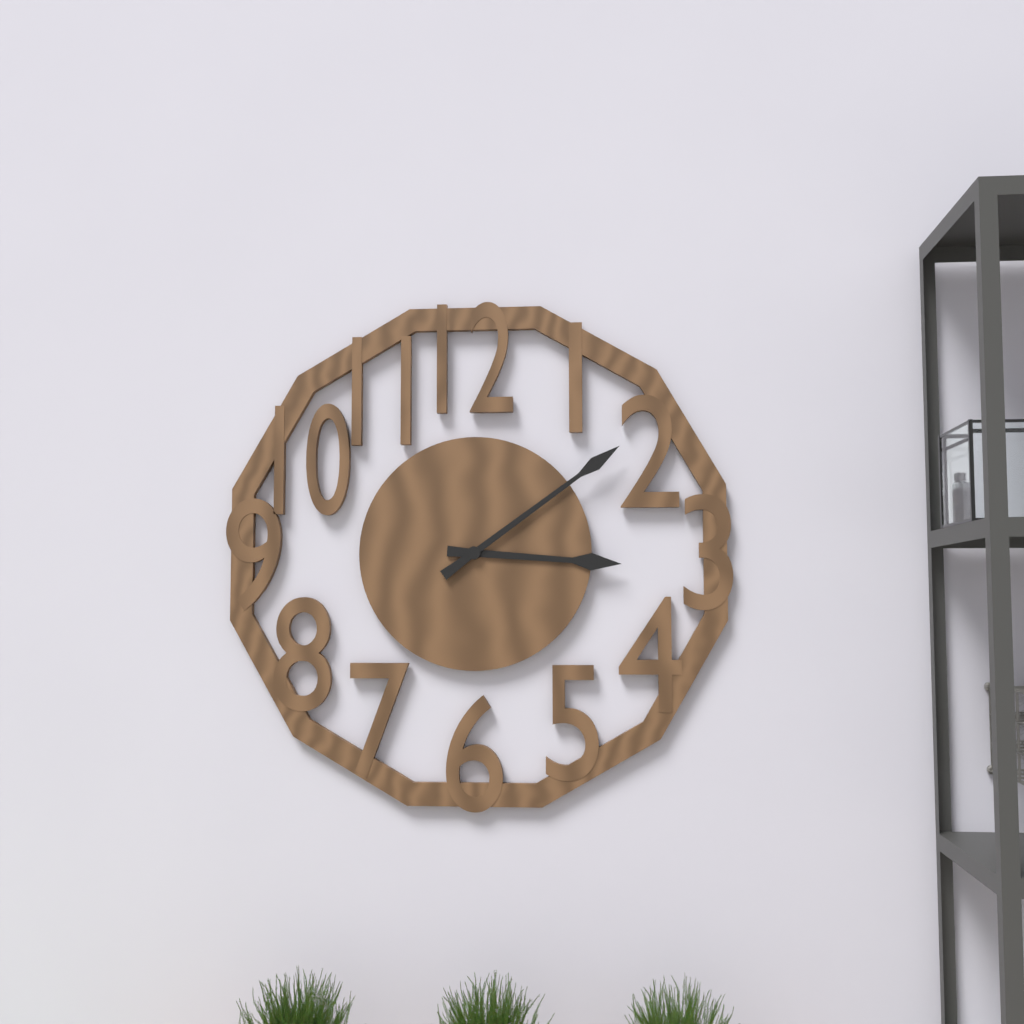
3:09
